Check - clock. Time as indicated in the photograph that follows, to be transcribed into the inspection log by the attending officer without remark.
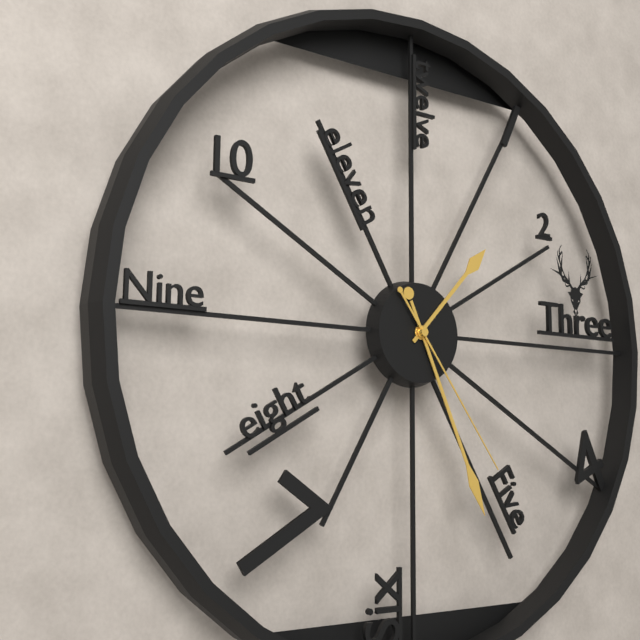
1:26:24
